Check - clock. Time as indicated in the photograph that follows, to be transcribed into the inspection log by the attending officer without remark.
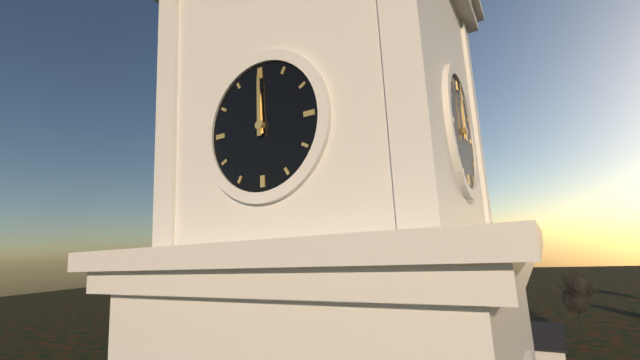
12:00
